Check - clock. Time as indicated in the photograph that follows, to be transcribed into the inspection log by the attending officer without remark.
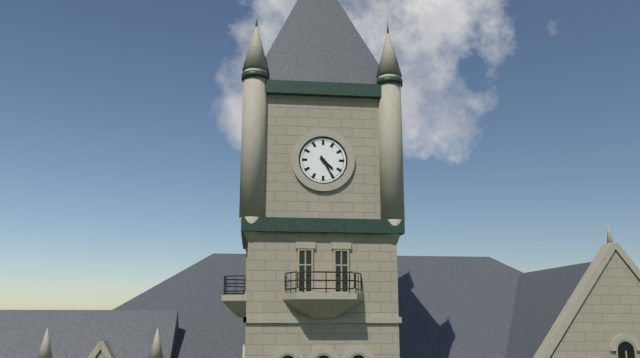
4:25
